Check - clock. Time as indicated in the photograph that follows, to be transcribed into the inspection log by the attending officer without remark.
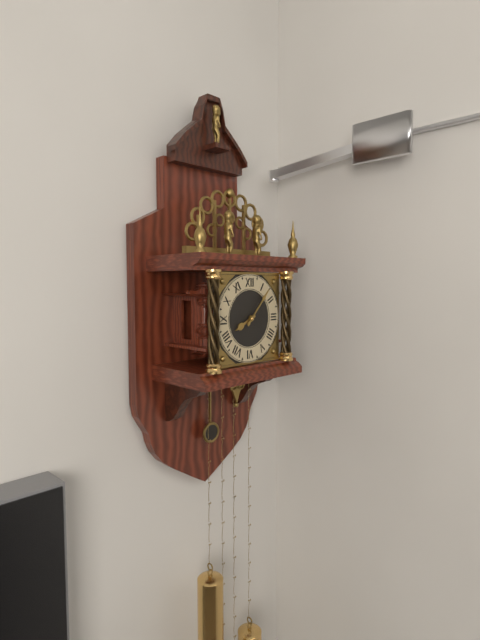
8:07
